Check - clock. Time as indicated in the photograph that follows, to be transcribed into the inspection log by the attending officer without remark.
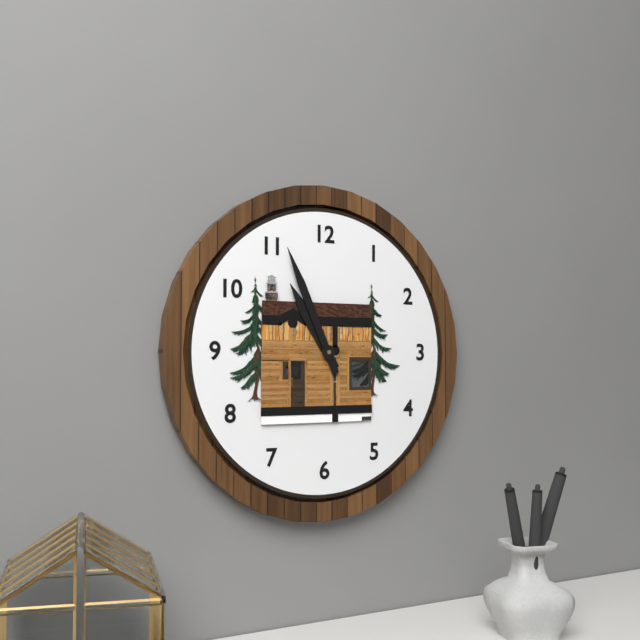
10:56
